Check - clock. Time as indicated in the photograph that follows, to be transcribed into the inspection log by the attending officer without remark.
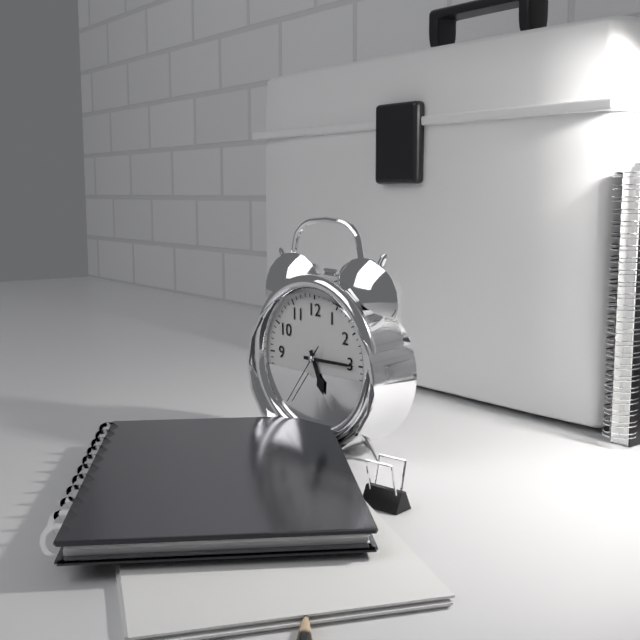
5:15:36
